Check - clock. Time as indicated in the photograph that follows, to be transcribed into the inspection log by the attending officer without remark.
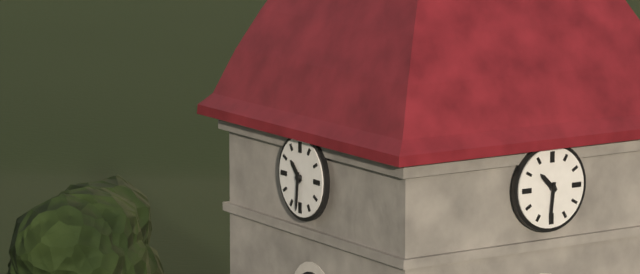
10:31
